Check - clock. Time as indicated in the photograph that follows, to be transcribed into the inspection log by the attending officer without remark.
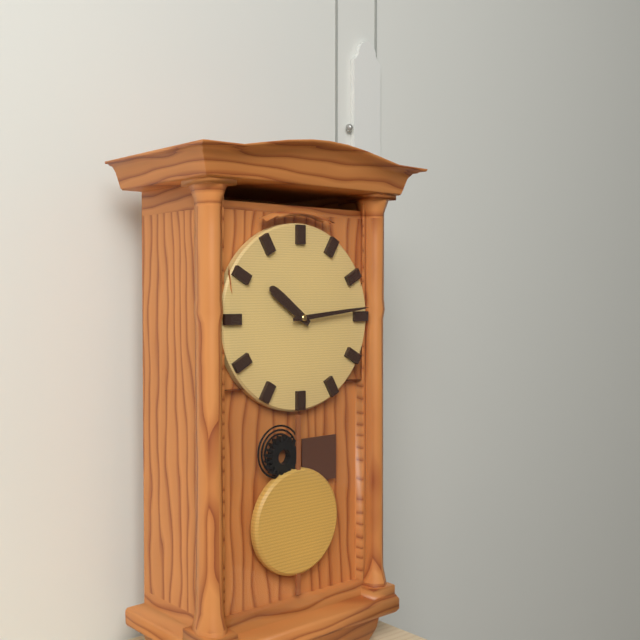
10:14
